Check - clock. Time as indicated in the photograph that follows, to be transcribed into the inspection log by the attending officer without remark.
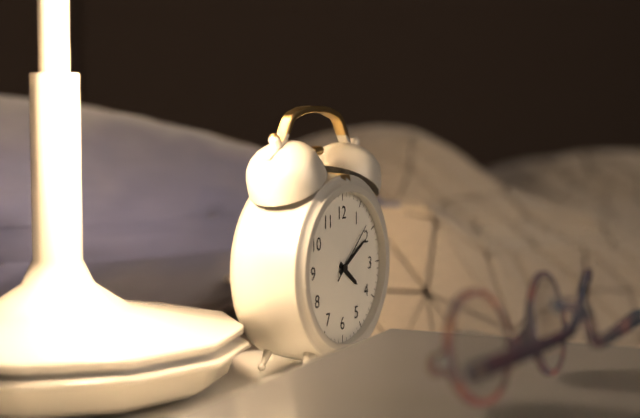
4:10:08
